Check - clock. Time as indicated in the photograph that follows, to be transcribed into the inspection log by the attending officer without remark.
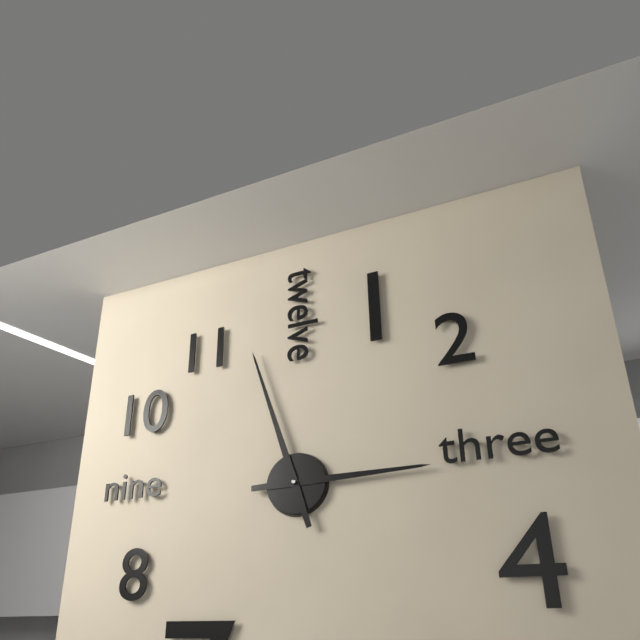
2:57
